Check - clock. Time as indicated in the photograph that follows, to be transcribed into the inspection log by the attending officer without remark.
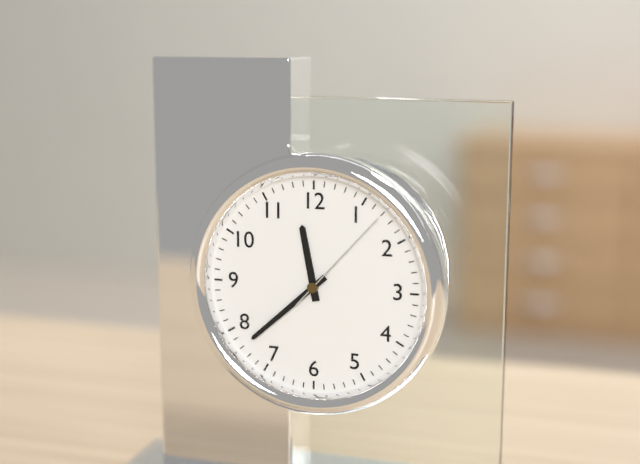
11:38:07
